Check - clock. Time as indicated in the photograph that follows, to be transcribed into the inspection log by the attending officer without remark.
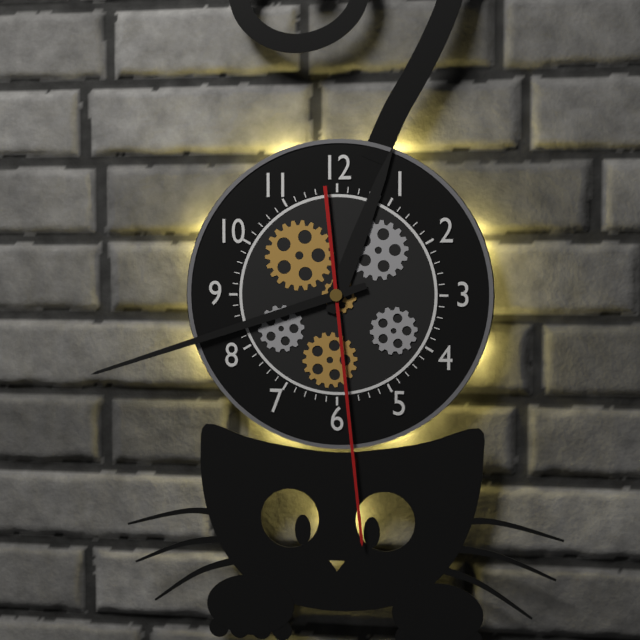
12:42:29
